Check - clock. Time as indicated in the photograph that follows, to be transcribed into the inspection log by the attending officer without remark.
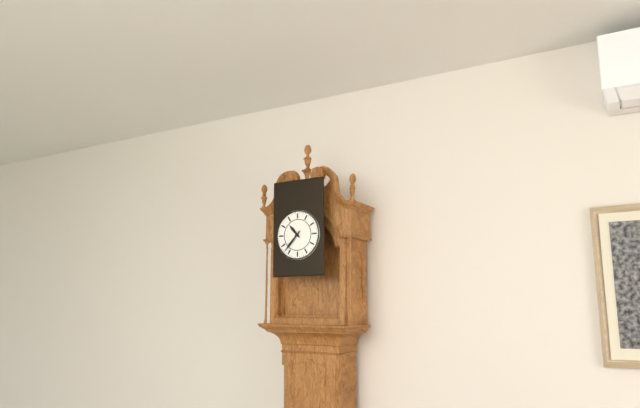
10:37
